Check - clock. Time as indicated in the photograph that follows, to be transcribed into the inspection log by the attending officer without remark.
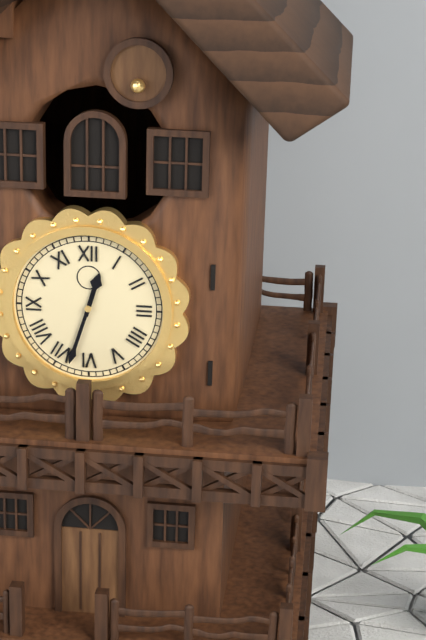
12:33
